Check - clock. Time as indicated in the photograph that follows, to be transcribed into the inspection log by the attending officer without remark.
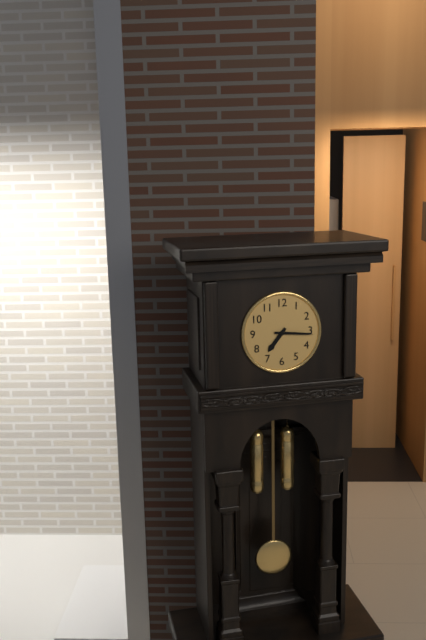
7:16
